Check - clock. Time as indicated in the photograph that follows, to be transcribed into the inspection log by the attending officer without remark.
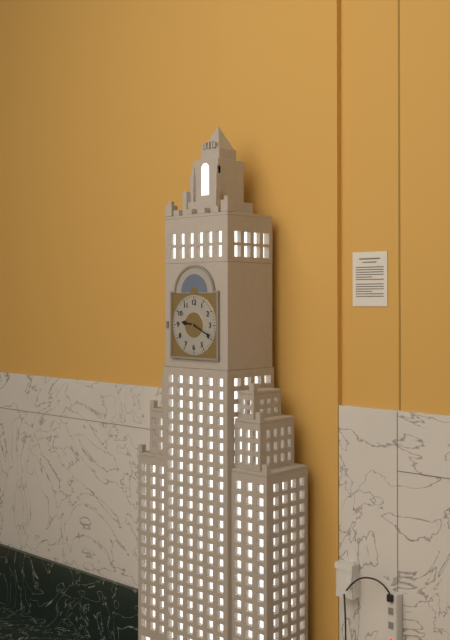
9:19
